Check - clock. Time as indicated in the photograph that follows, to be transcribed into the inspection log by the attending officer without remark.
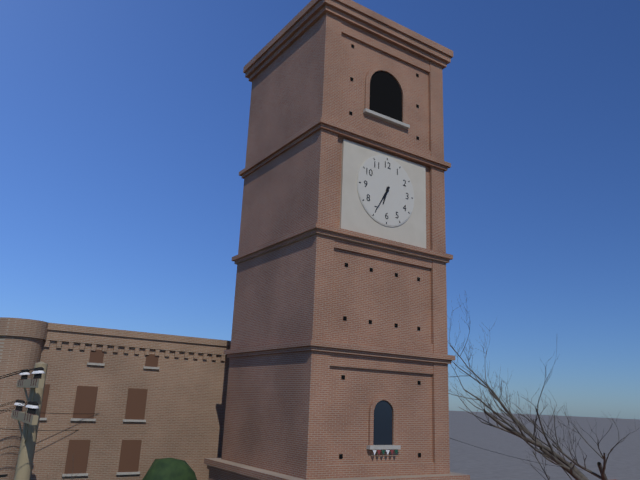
6:35
